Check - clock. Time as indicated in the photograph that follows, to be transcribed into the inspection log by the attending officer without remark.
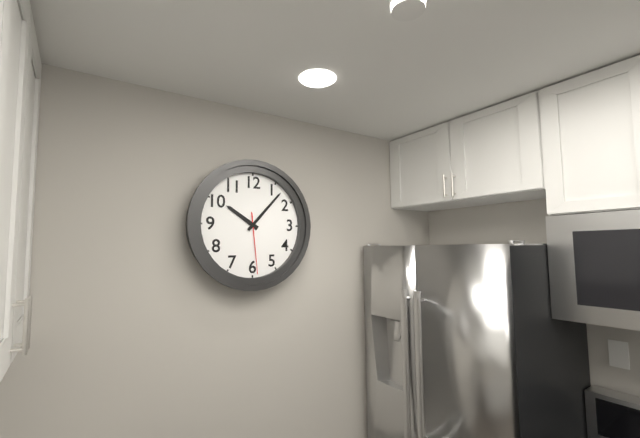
10:07:29
